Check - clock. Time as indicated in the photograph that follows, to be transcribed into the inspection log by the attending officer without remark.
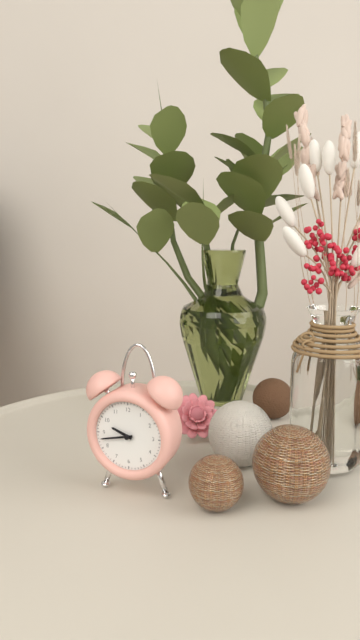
9:43
